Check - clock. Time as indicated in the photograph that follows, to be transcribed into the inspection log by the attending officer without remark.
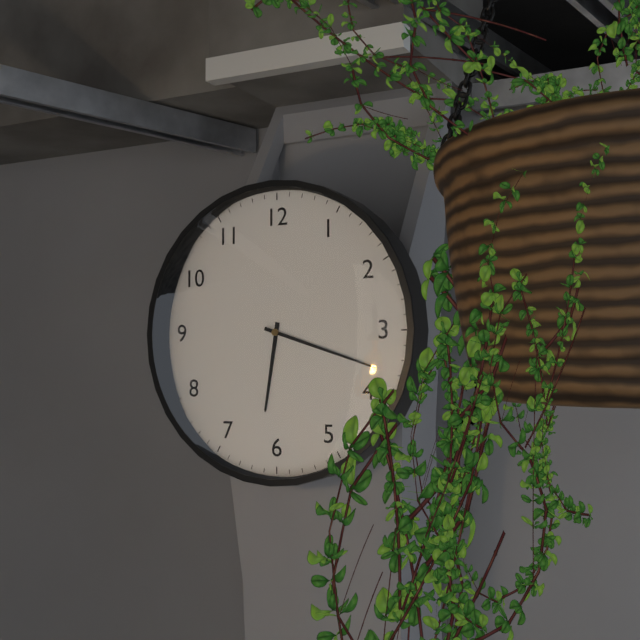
6:18
